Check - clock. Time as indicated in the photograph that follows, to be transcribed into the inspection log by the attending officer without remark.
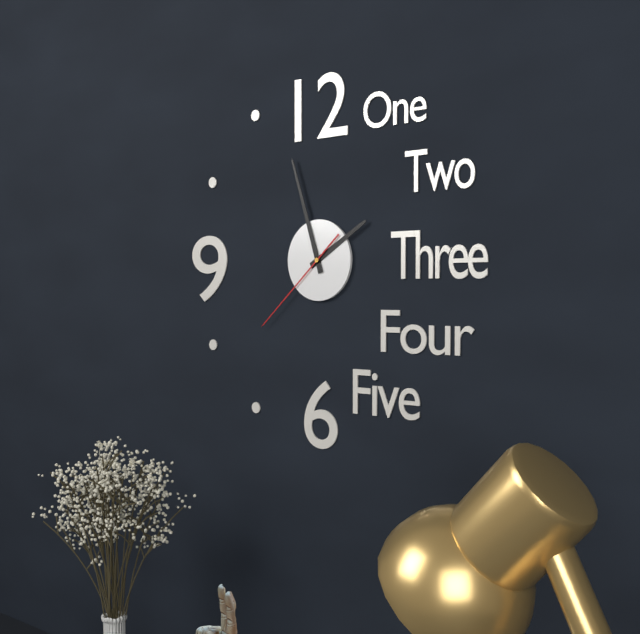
1:57:38
